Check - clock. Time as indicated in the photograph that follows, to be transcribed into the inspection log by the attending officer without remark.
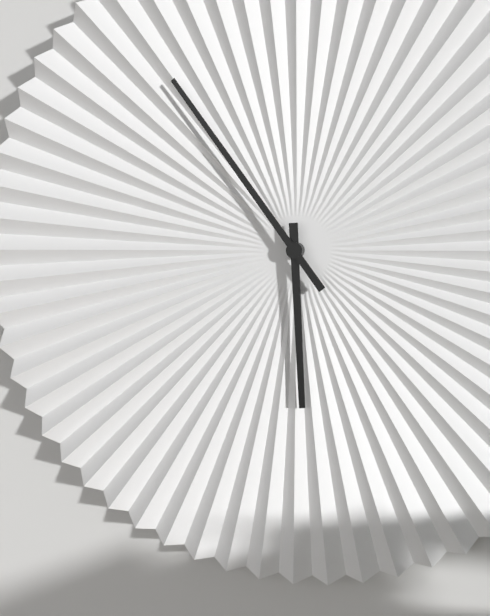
5:54
